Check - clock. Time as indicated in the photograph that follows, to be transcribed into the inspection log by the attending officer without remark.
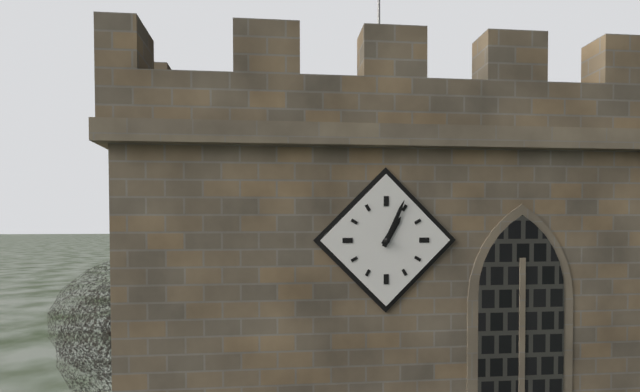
1:04
